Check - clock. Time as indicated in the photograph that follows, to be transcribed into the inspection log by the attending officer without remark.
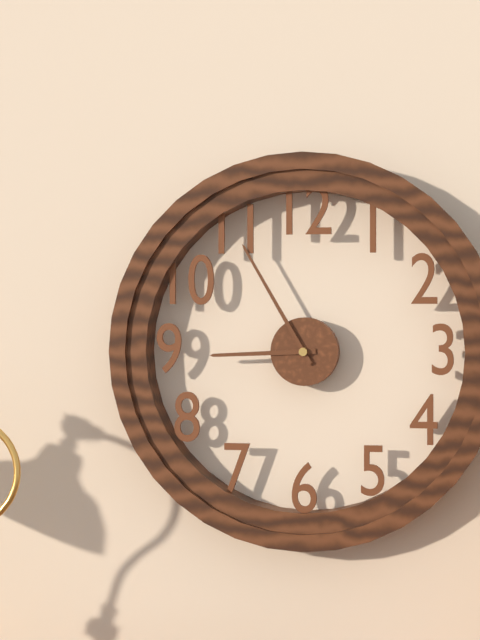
8:55
